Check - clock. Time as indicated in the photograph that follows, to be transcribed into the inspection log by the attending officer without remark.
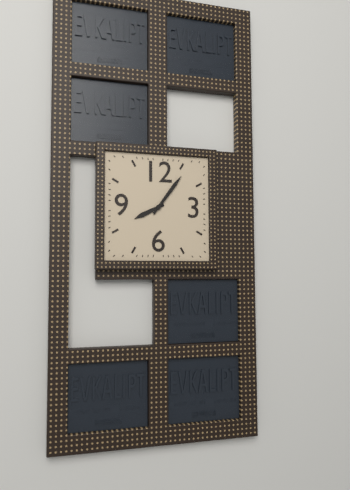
8:06
